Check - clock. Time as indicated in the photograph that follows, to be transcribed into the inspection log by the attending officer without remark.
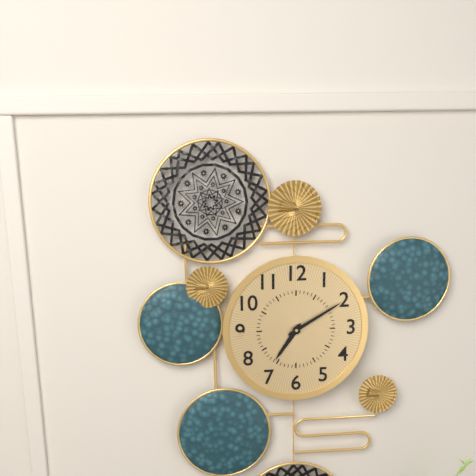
7:10
